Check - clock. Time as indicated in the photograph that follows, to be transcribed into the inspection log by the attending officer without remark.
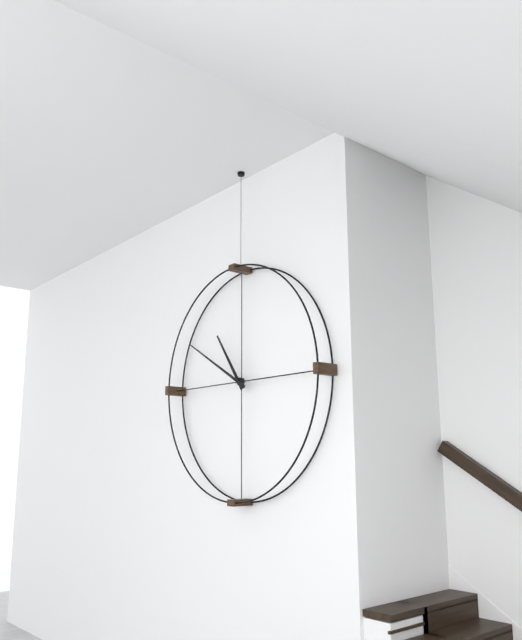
10:50
